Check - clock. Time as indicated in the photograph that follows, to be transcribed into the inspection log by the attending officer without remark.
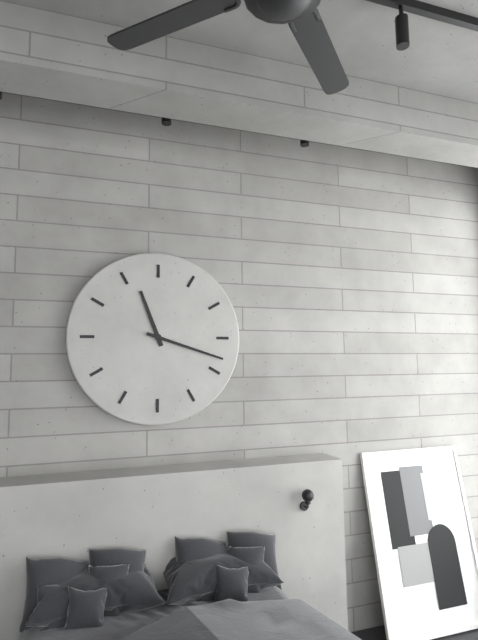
11:18
